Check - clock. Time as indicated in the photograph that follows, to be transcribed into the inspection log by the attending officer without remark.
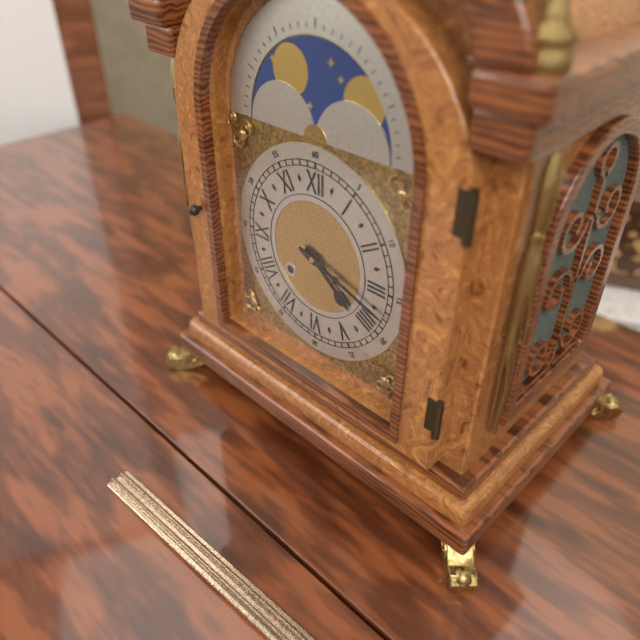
4:18
